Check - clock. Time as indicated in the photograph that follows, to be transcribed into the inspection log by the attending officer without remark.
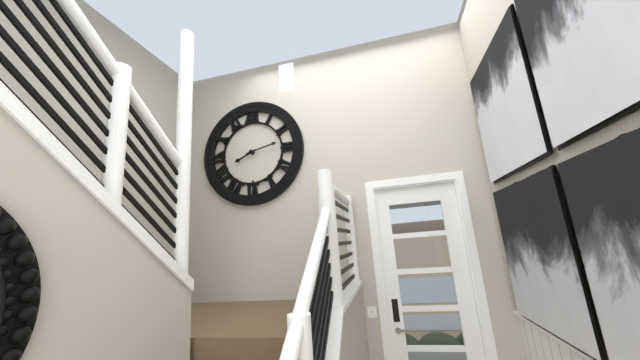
8:13
